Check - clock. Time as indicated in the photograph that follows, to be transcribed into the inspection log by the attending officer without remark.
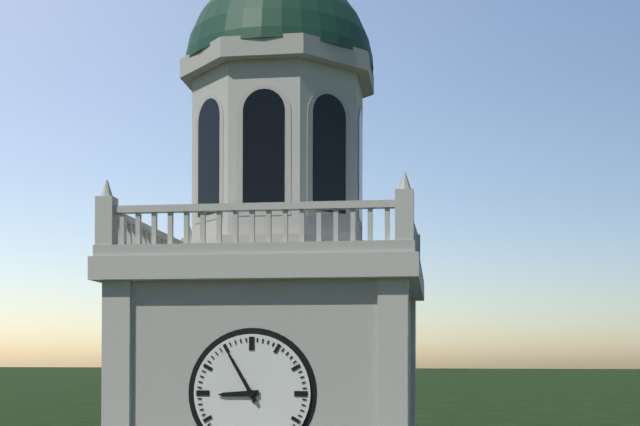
8:55
